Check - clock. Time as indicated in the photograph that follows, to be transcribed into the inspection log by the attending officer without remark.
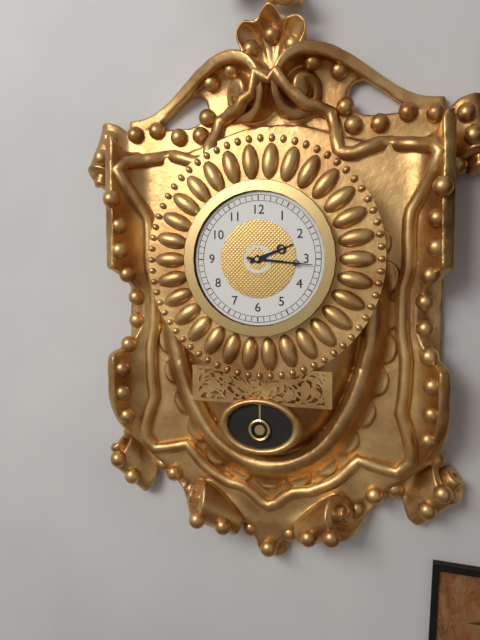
2:16
